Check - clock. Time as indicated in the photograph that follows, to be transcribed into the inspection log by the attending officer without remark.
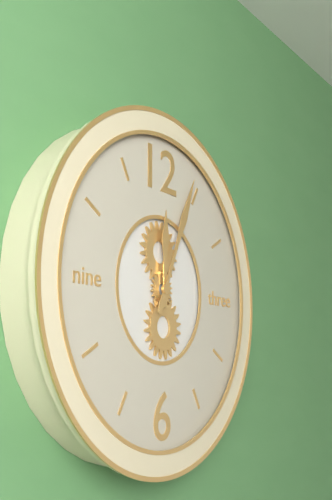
12:04
